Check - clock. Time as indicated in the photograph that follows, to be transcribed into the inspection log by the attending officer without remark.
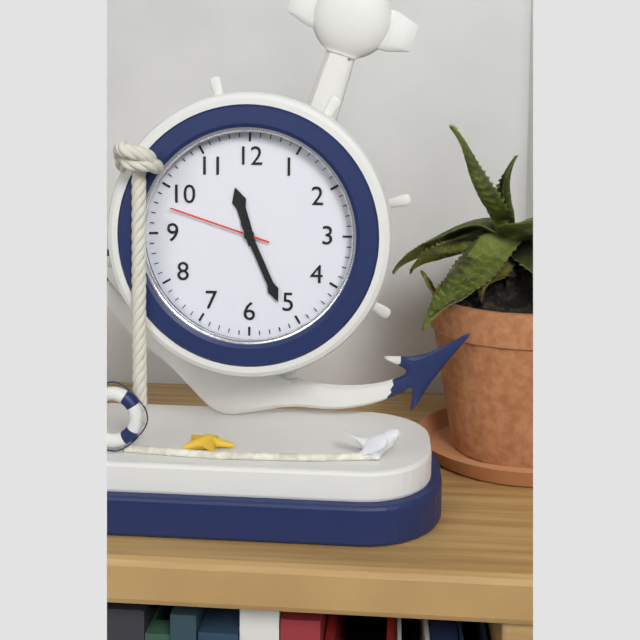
11:26:48
